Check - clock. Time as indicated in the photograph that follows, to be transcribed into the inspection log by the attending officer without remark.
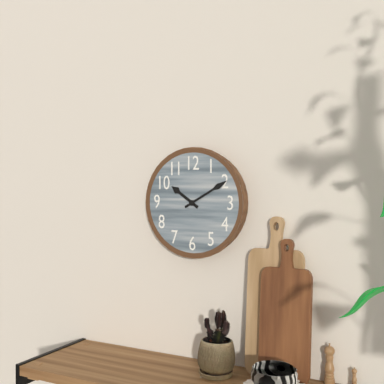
10:10
